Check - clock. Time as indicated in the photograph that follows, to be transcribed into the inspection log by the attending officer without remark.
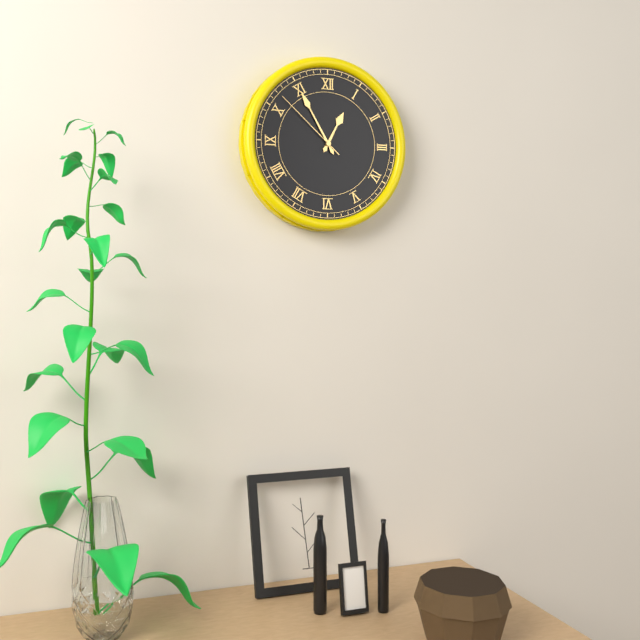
12:55:52
